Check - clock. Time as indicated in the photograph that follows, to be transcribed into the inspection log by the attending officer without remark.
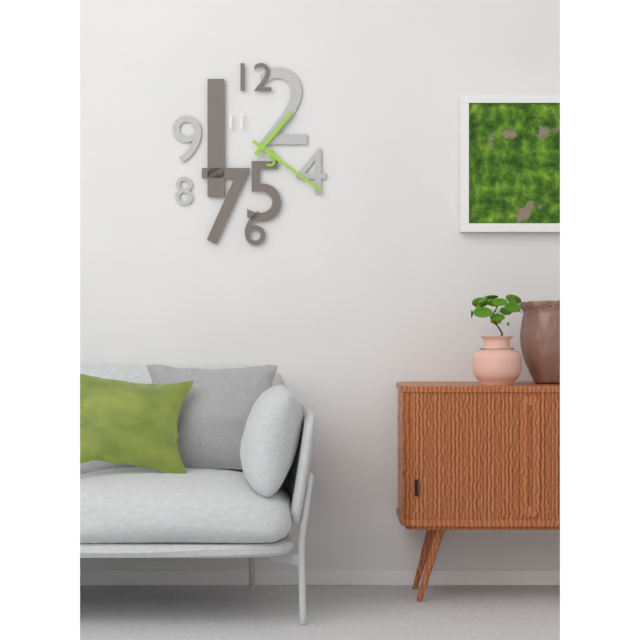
1:21
